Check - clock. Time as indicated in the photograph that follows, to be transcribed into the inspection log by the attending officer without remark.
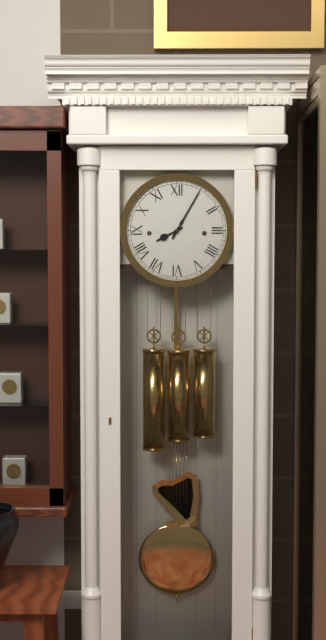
8:05
